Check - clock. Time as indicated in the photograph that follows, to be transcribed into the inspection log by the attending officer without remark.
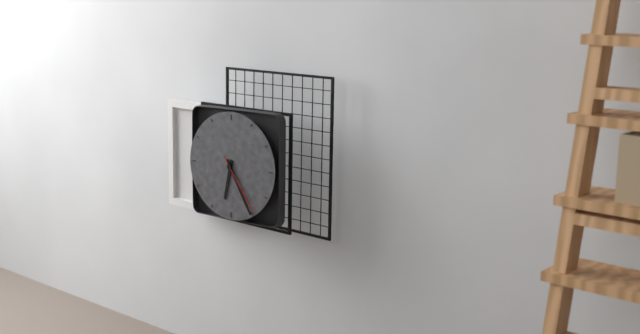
6:25:24
